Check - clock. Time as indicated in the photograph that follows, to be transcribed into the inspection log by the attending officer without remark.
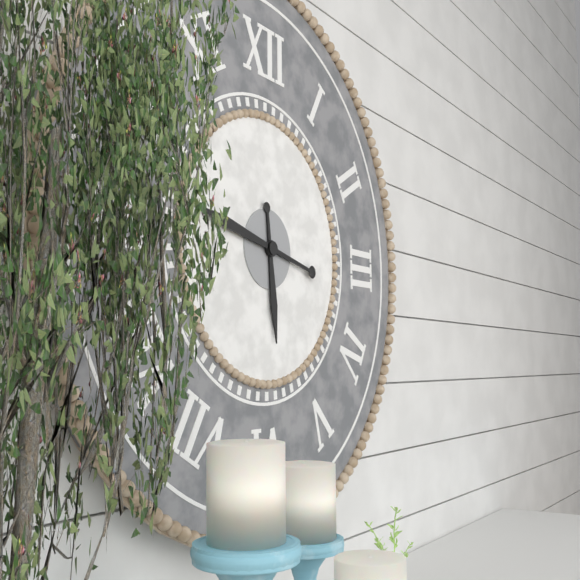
5:47
